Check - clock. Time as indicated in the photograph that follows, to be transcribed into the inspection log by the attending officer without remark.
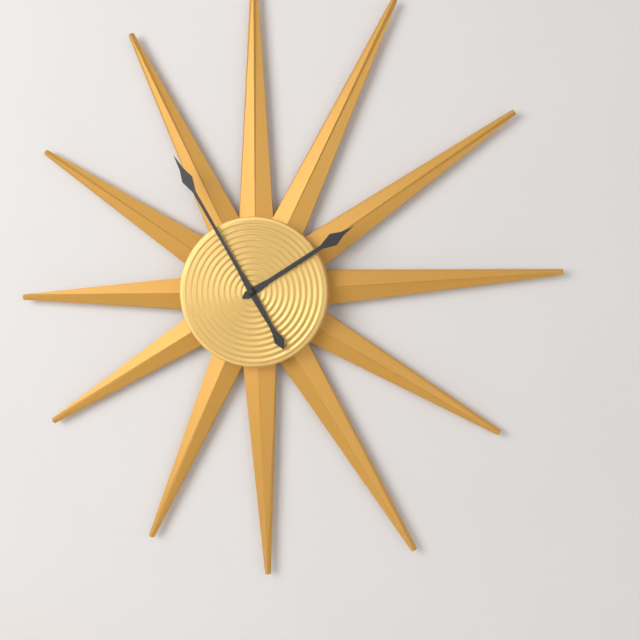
1:55
